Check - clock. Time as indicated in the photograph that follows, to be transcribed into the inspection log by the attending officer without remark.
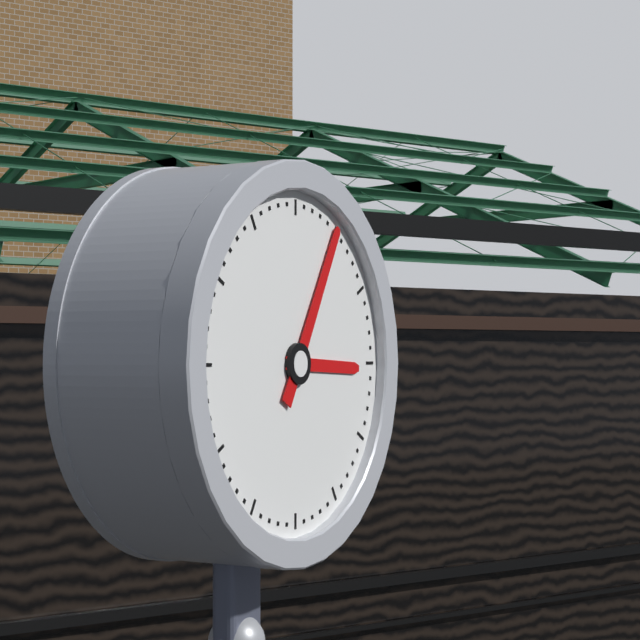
3:05
